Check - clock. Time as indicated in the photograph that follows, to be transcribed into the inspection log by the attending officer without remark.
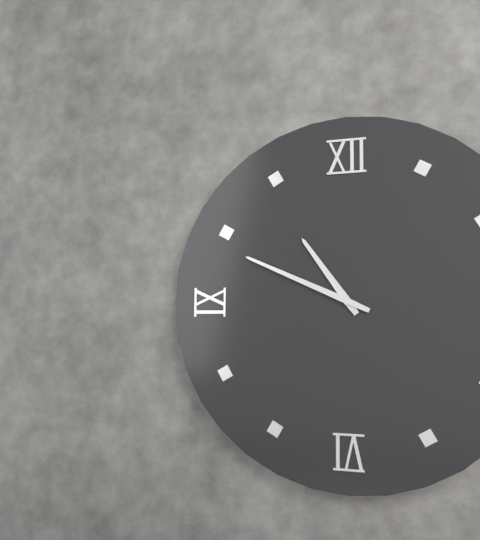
10:49
